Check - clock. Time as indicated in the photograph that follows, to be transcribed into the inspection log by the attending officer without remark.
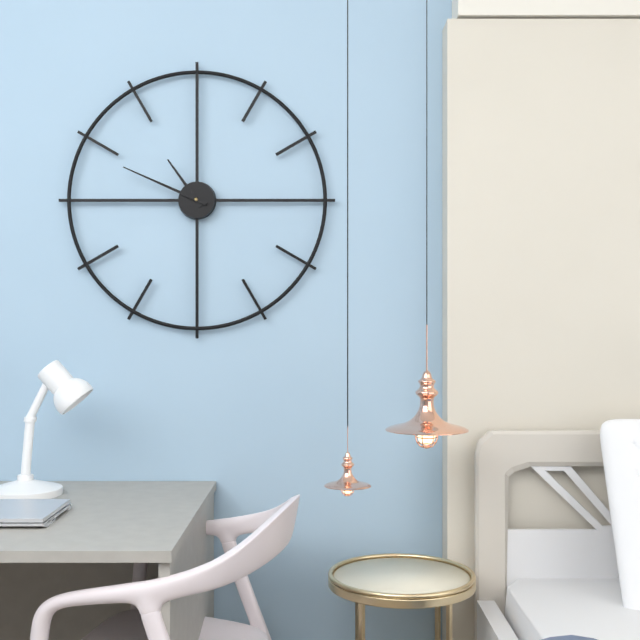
10:49
